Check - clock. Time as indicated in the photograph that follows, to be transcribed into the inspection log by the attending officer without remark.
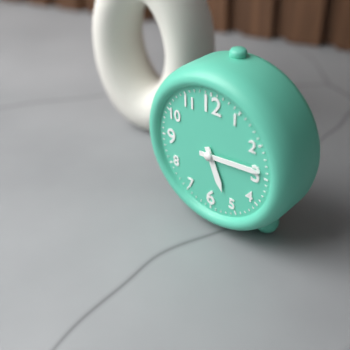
5:14
